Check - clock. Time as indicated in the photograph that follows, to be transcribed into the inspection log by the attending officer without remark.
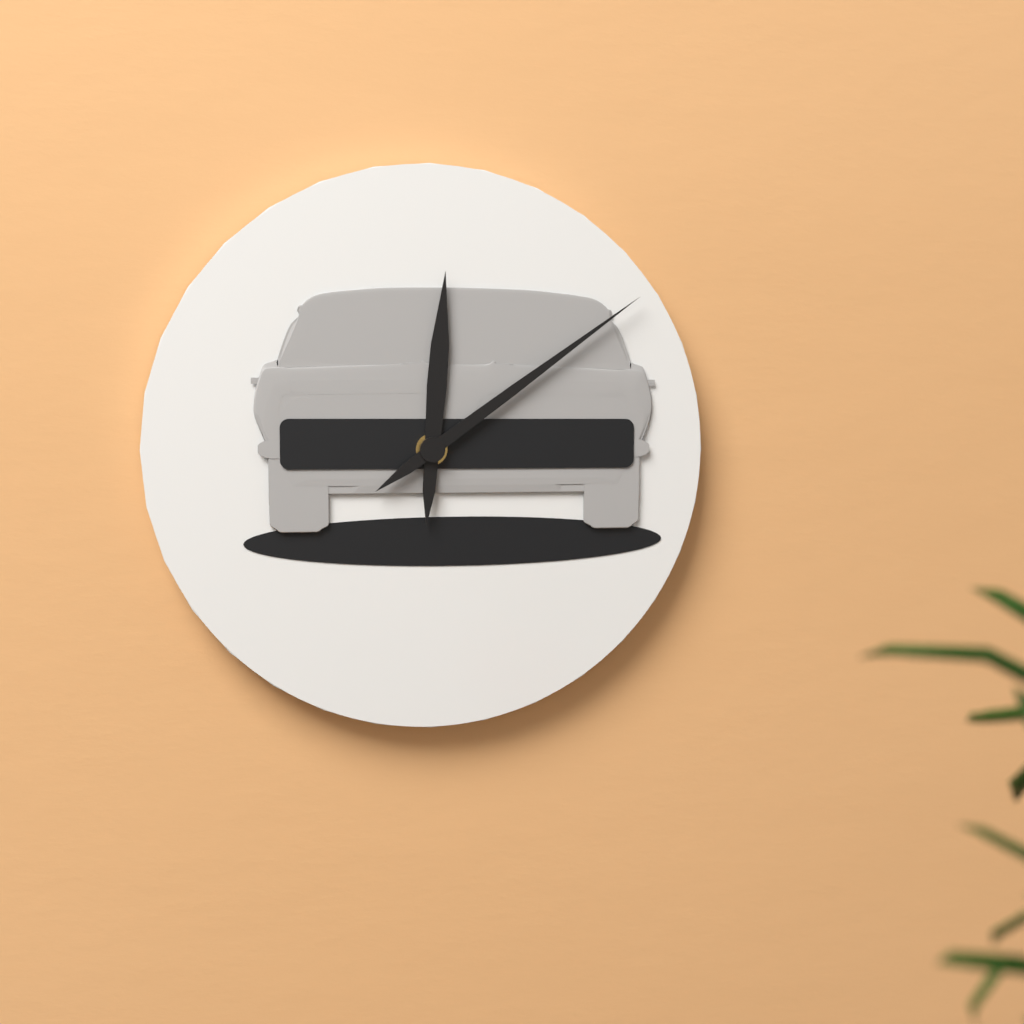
12:09
